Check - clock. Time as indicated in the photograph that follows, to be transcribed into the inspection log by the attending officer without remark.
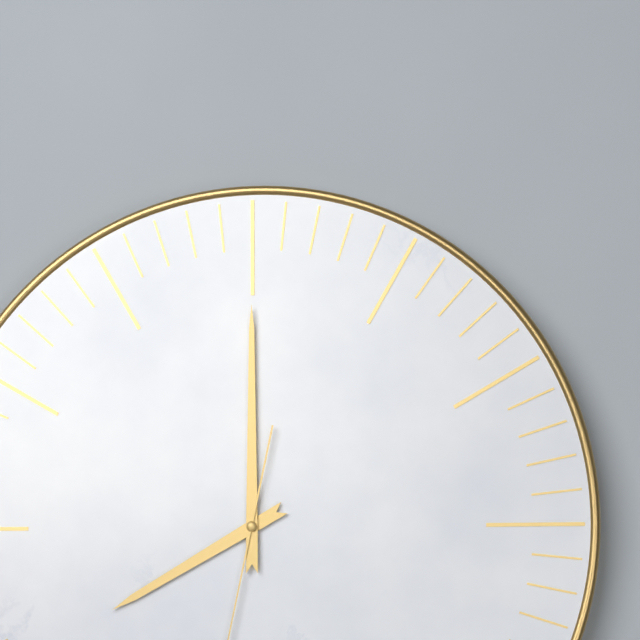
8:00
